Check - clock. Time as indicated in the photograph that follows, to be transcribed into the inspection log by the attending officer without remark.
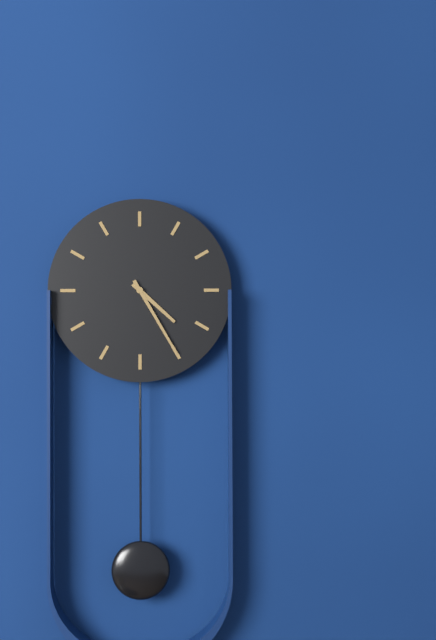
4:25
